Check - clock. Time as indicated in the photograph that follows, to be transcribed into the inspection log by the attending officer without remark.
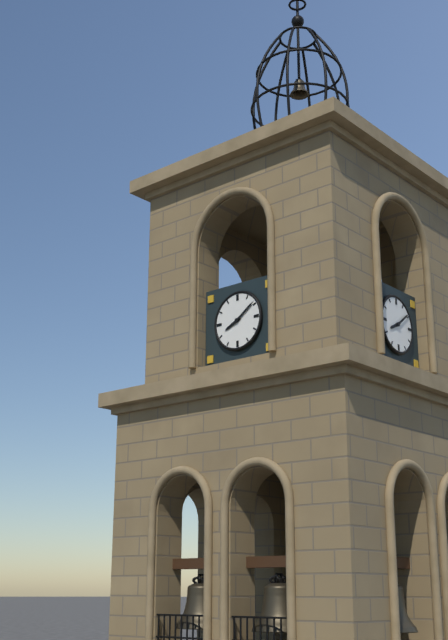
8:09
